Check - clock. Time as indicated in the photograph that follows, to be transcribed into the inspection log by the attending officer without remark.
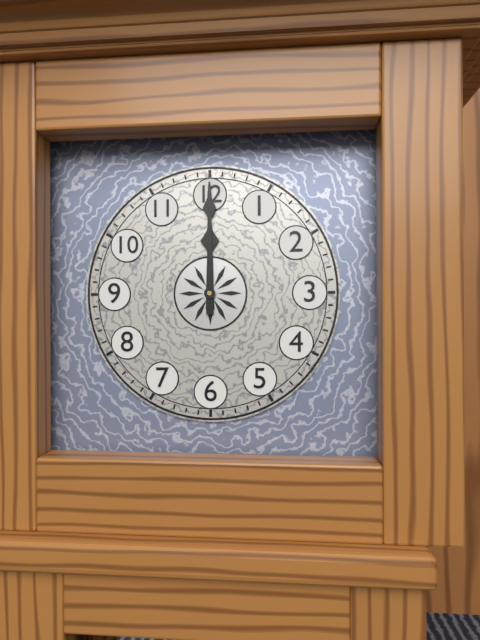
12:00
